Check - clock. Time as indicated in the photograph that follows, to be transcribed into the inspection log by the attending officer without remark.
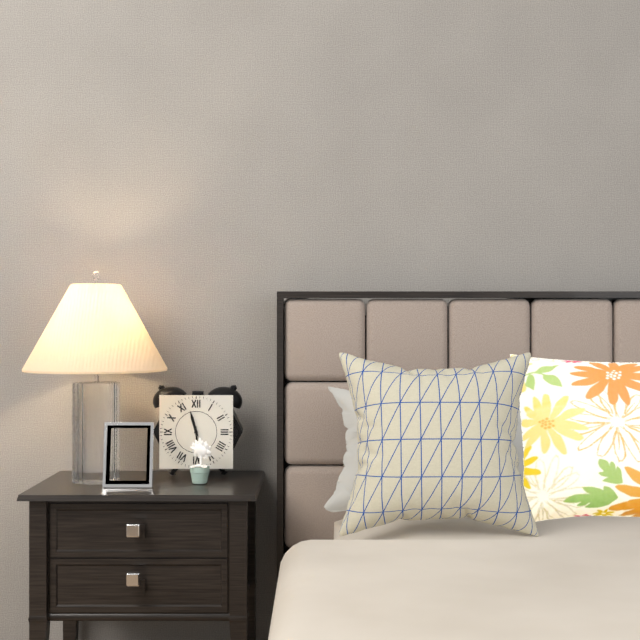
11:29
